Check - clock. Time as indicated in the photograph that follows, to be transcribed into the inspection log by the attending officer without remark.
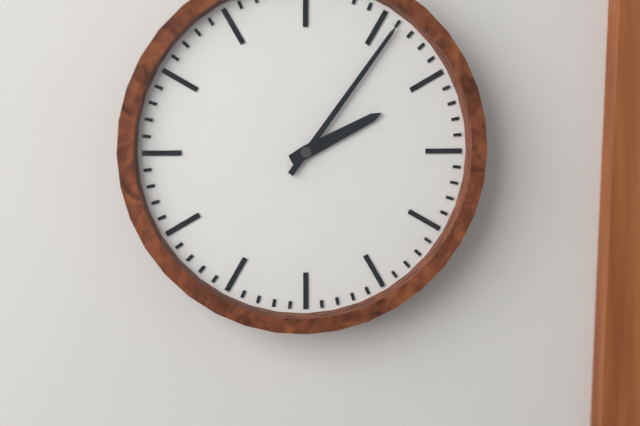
2:06
